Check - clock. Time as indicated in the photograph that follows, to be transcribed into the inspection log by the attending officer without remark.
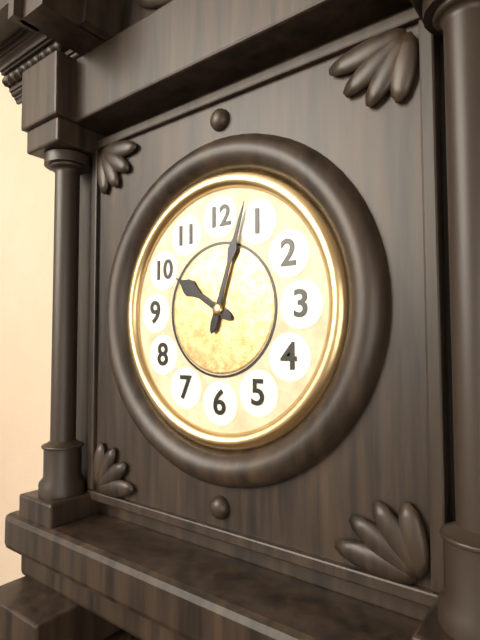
10:03
